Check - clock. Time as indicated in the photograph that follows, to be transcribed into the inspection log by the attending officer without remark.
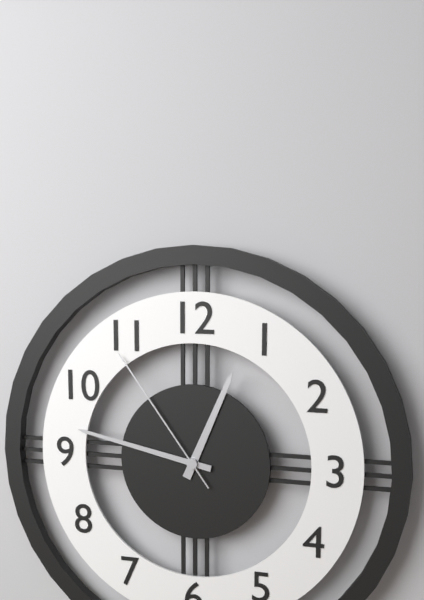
12:47:54
